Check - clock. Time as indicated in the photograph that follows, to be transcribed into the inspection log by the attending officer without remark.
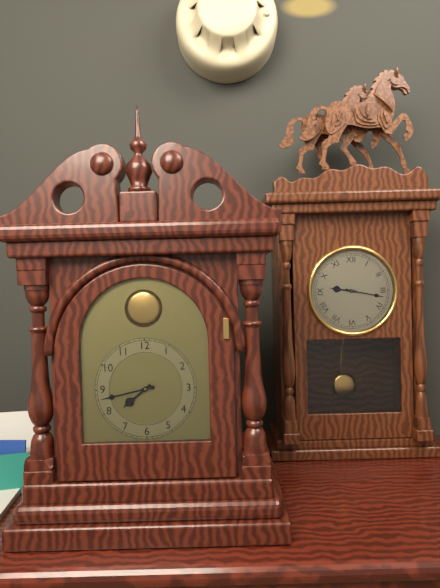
7:43
